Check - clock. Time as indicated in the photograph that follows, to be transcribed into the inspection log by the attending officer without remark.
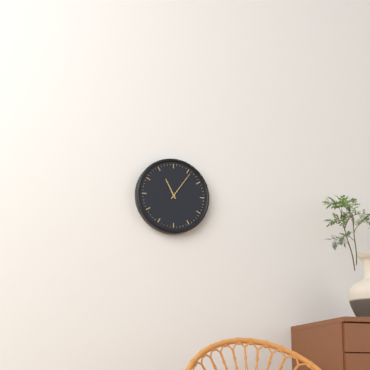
11:06
